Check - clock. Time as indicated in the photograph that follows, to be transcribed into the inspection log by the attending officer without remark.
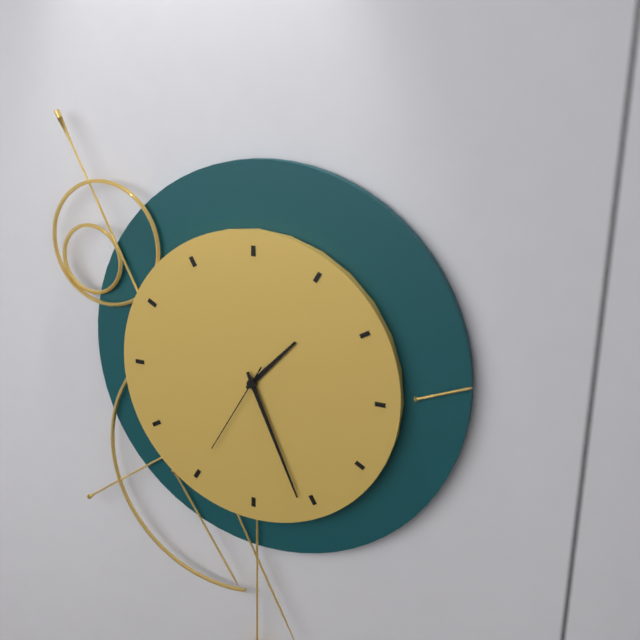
1:26:35
